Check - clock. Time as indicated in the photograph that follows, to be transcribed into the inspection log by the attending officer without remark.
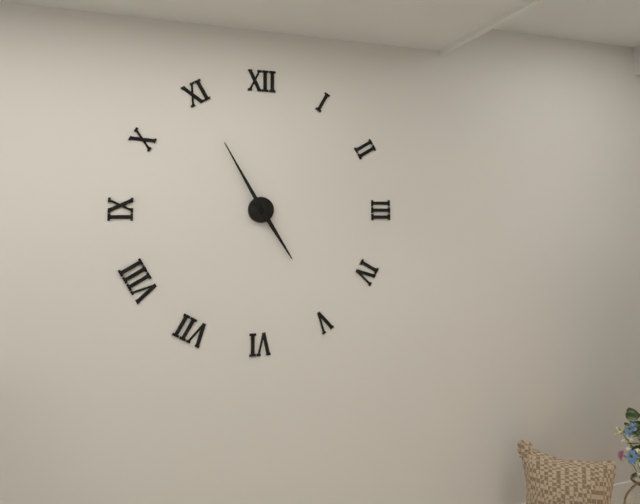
4:55
